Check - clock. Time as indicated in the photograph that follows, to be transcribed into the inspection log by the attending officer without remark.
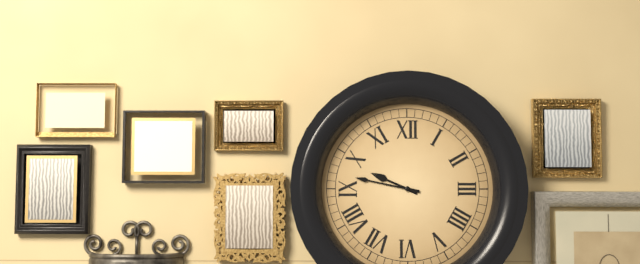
9:47
